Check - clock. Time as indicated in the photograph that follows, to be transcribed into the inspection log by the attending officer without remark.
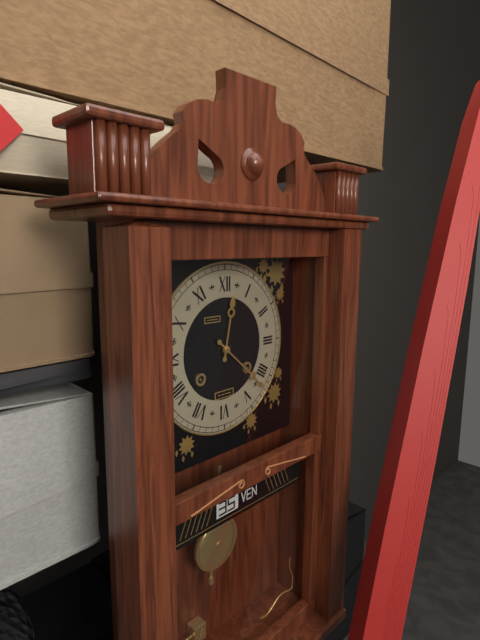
12:22
